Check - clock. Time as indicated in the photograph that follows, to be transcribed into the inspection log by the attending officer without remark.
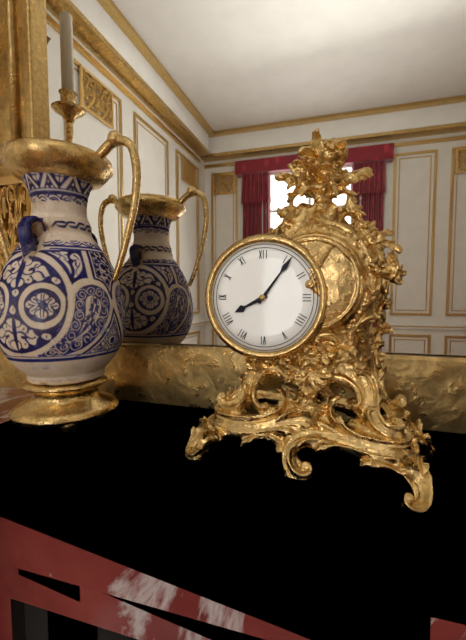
8:06
